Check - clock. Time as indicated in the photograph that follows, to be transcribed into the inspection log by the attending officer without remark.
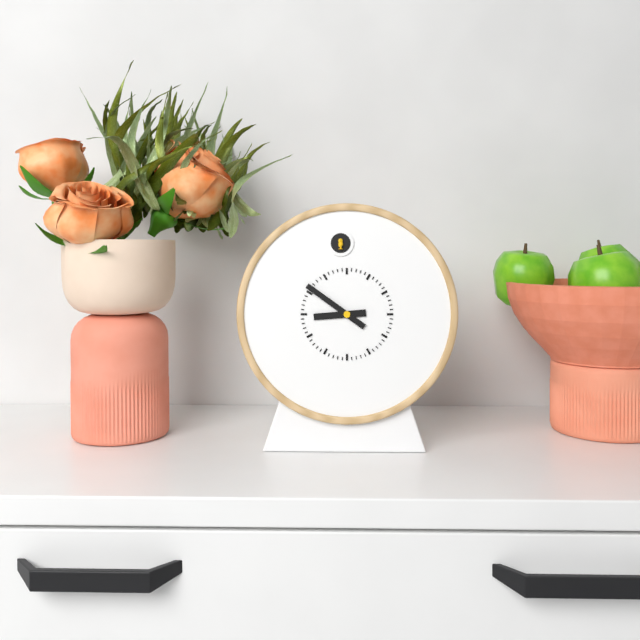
8:51
